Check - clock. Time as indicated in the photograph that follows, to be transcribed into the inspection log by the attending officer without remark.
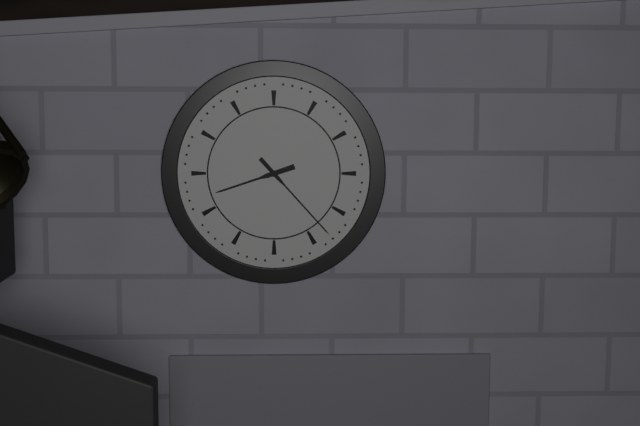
8:23
